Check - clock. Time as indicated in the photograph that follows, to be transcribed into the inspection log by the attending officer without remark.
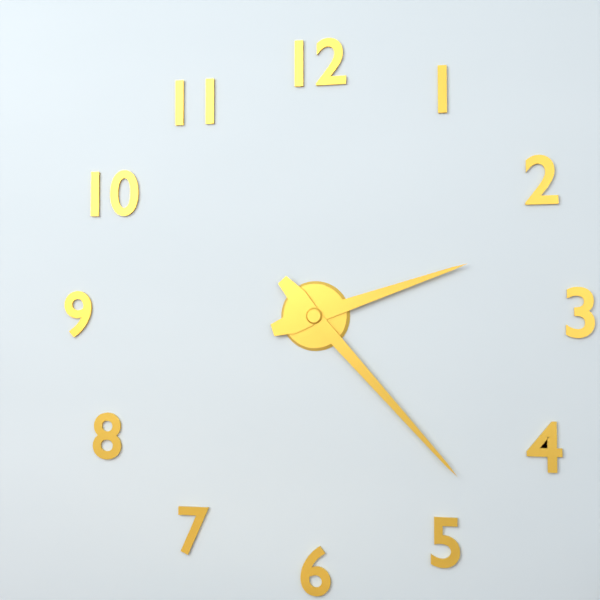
2:23
